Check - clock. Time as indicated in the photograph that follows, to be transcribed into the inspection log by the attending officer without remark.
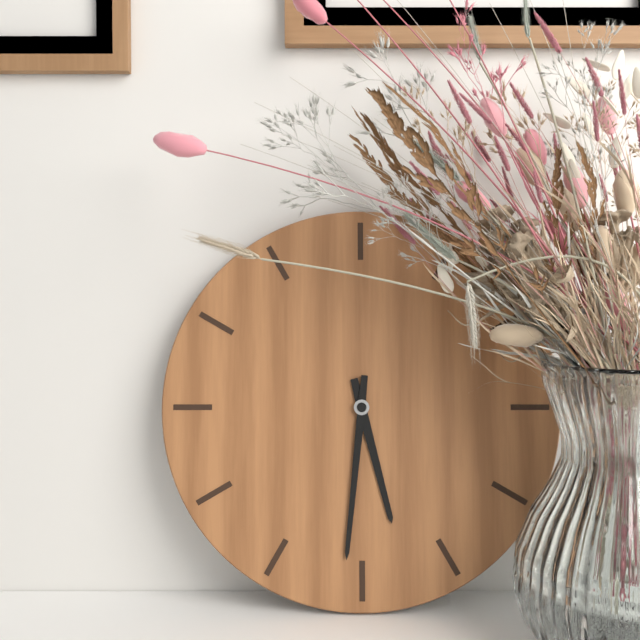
5:31
